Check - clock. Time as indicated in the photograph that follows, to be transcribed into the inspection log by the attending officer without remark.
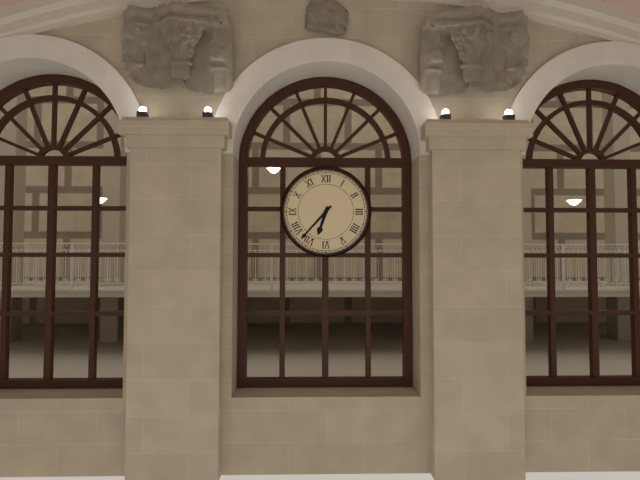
6:37
